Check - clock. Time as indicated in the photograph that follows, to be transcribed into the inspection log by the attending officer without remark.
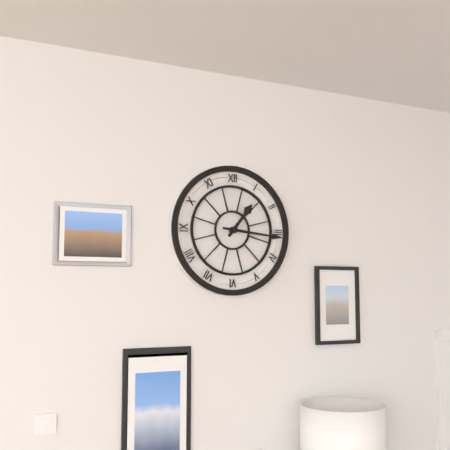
1:16
